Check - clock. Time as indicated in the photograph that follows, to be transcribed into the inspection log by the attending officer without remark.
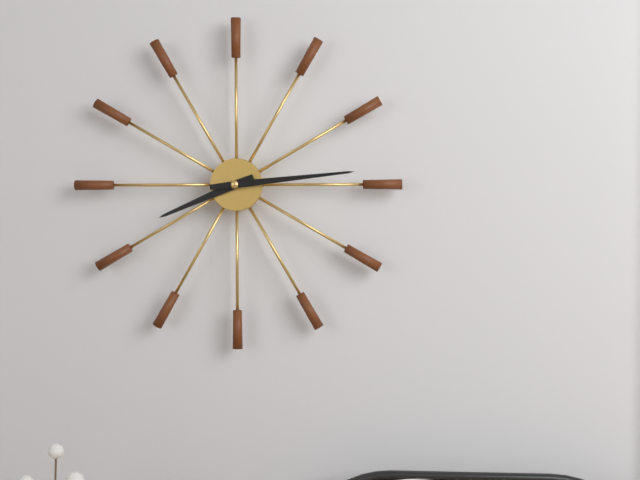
8:14
